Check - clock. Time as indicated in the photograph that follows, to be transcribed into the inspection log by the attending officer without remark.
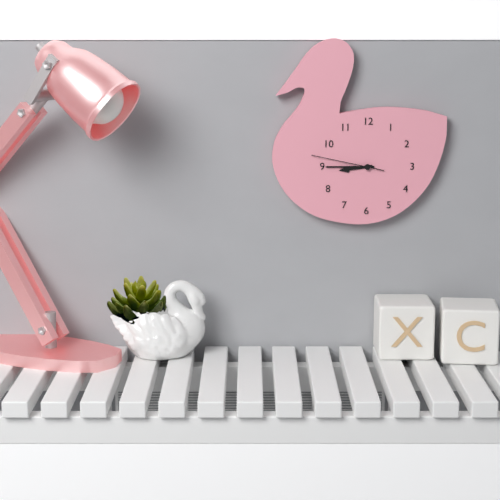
8:45:47
